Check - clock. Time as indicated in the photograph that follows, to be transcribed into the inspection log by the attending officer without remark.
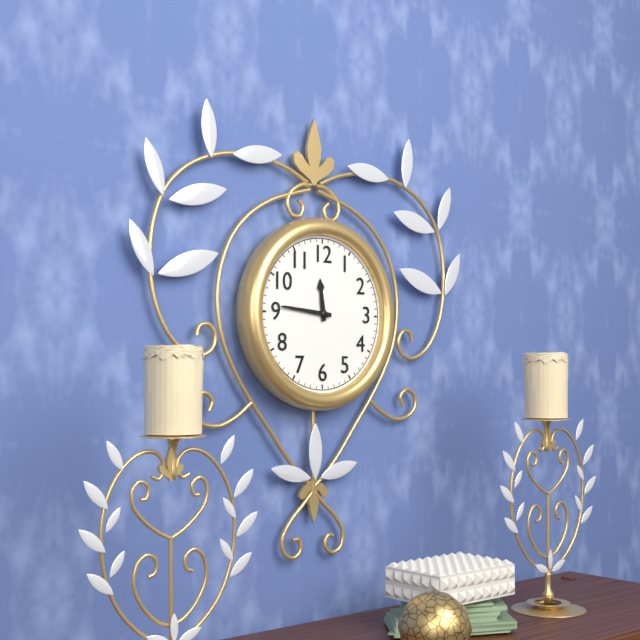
11:46
